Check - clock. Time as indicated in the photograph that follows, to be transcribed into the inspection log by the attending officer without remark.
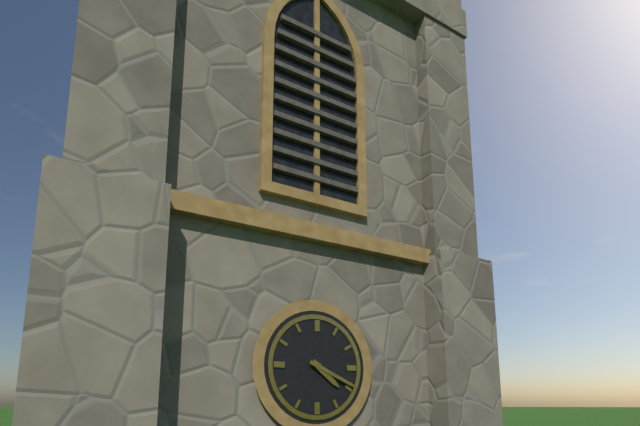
4:19
